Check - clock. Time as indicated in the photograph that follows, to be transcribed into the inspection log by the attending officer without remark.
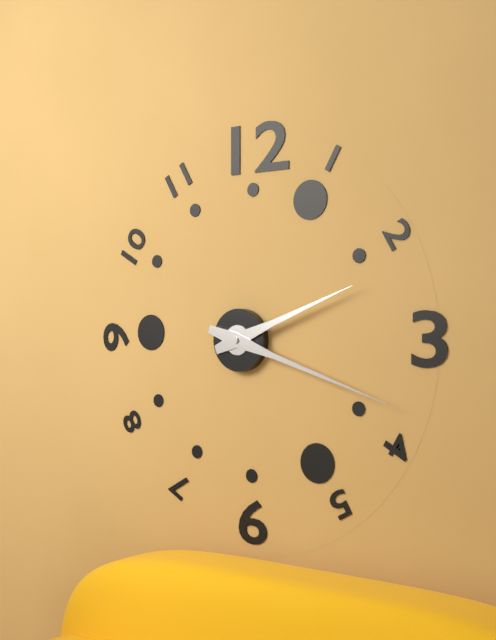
2:18
